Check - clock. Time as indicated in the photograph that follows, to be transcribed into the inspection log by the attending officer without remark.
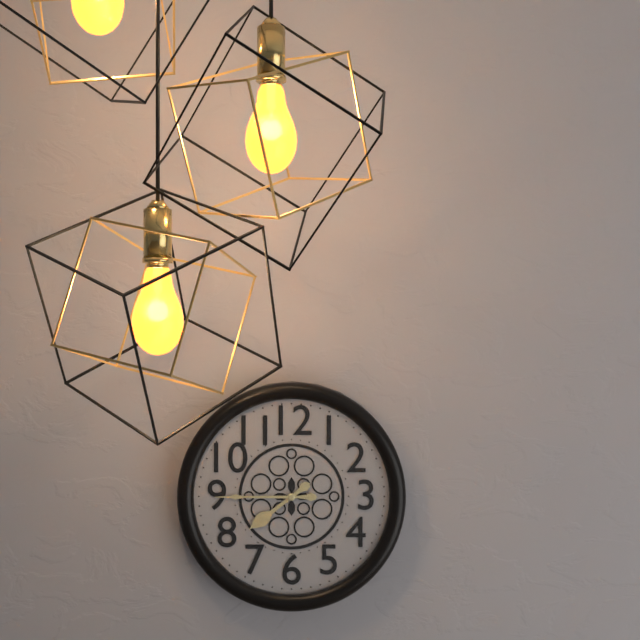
7:45
